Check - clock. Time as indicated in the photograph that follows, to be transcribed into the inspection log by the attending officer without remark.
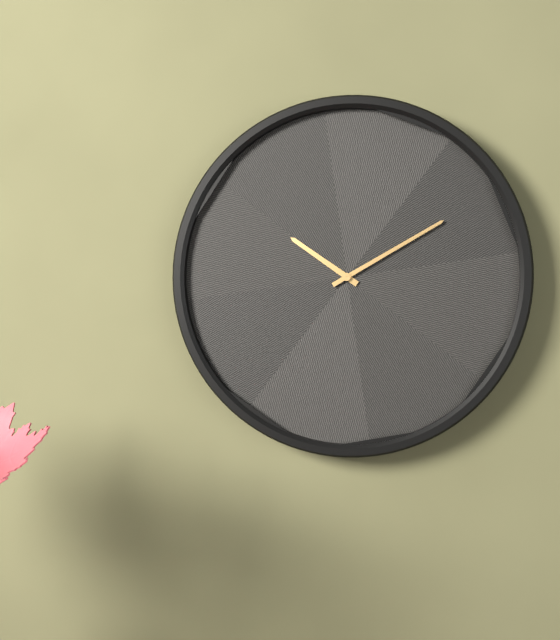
10:10
